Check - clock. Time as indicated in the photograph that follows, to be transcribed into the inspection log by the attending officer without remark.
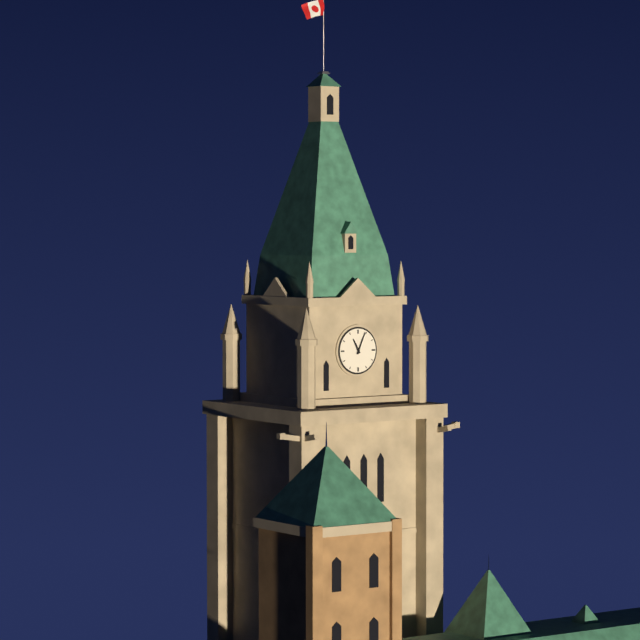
11:04
